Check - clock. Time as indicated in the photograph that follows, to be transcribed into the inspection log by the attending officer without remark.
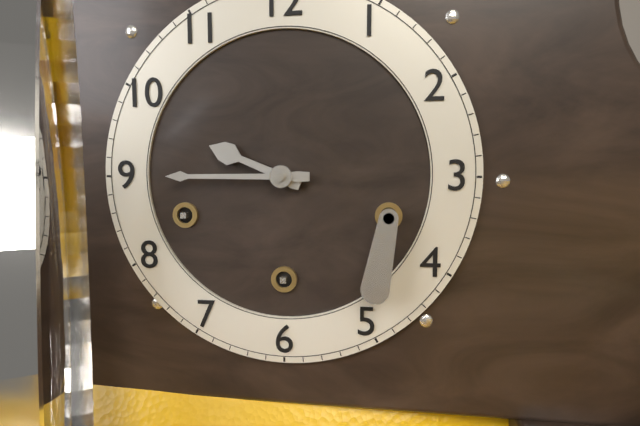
9:45
